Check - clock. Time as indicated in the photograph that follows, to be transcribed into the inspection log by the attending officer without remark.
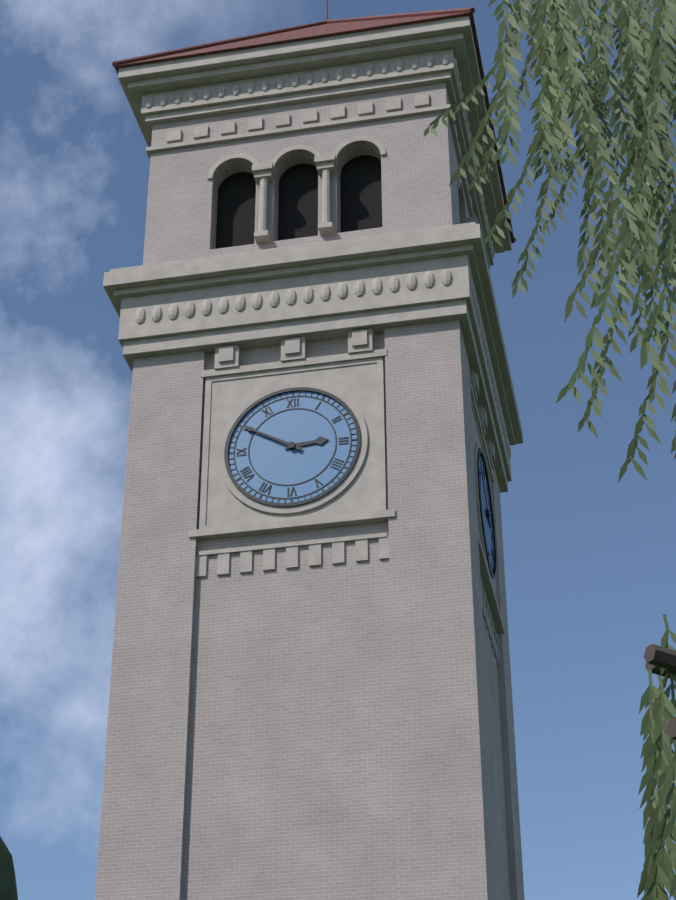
2:50
